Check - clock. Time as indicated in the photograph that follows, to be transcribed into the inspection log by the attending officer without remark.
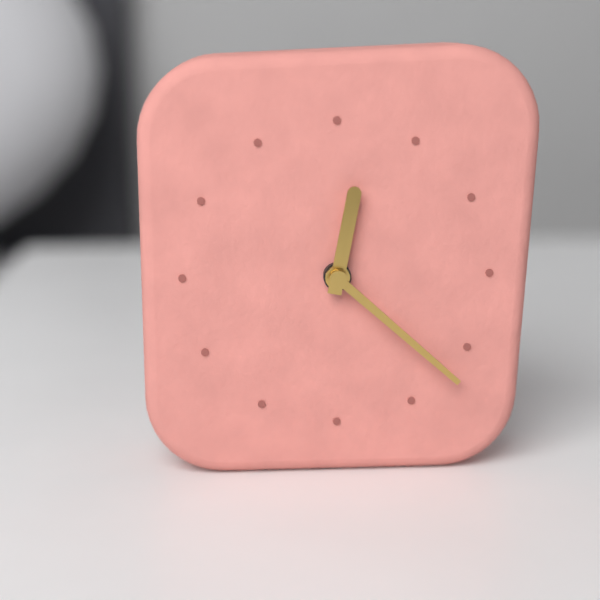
12:22
